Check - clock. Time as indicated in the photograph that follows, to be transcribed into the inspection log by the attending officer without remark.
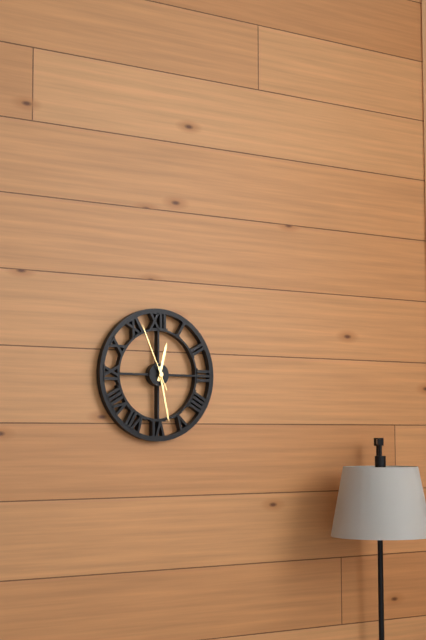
12:28:56
